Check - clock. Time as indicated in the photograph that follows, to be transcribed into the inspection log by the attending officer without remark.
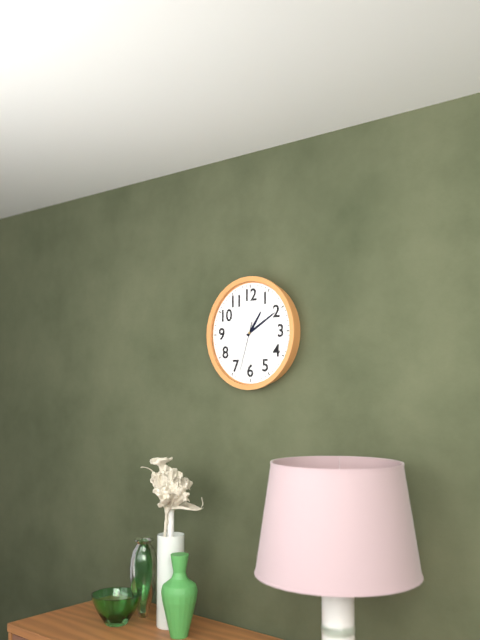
1:10:33
